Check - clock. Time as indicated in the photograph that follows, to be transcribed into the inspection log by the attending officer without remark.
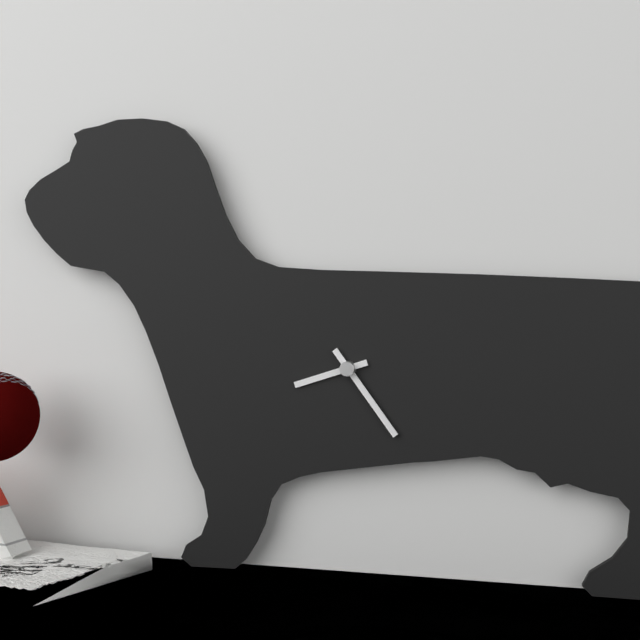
8:24
